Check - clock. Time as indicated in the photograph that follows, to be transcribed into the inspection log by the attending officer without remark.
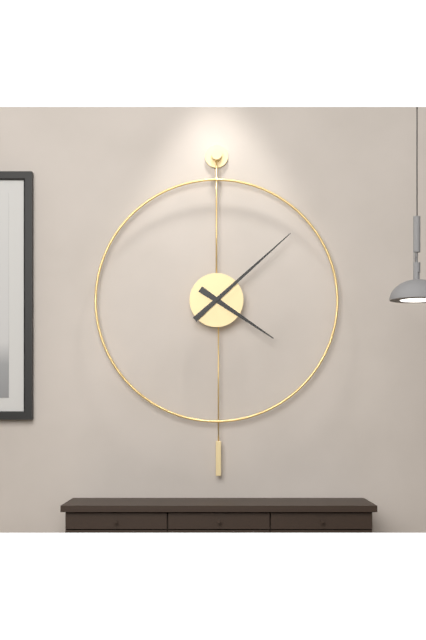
4:08
